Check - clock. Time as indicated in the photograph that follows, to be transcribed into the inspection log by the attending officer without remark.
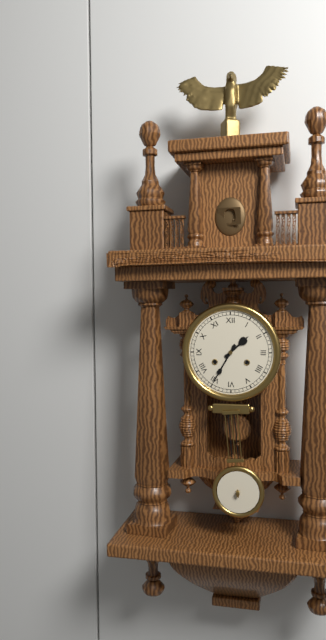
1:35
